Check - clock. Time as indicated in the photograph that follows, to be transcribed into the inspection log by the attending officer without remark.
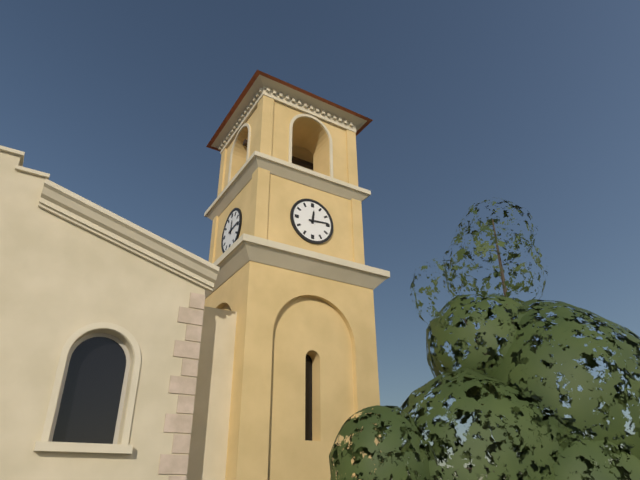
12:14
